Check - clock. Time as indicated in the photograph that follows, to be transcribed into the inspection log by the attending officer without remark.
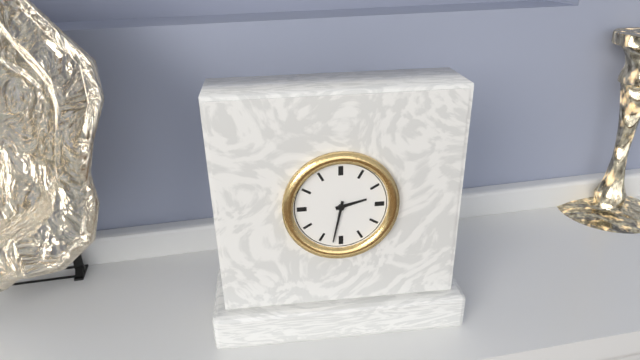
2:32
